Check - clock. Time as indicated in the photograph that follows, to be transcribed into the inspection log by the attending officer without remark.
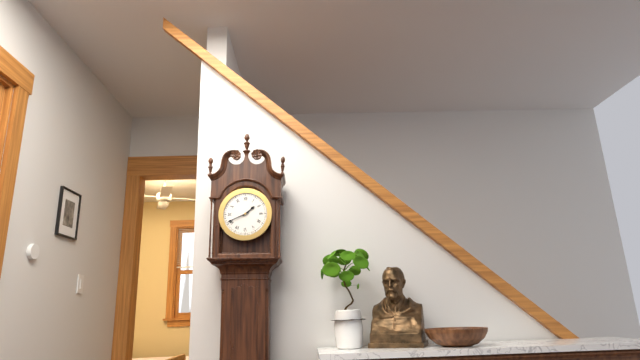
1:41
